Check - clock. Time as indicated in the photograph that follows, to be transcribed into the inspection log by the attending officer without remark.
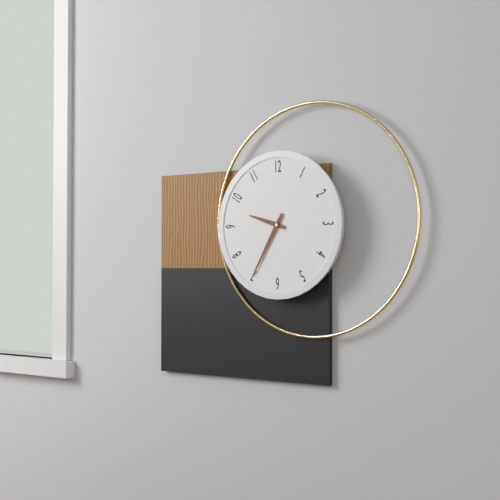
9:35
